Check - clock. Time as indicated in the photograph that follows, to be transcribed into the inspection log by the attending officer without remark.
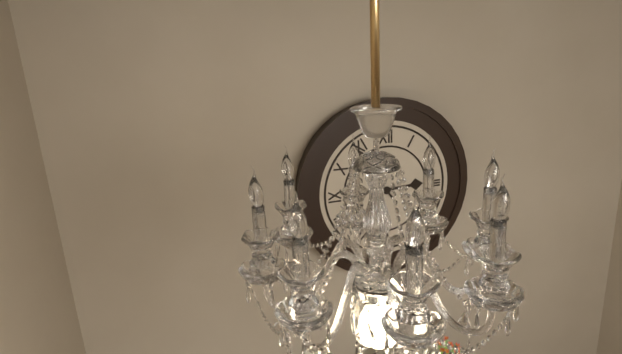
2:54
